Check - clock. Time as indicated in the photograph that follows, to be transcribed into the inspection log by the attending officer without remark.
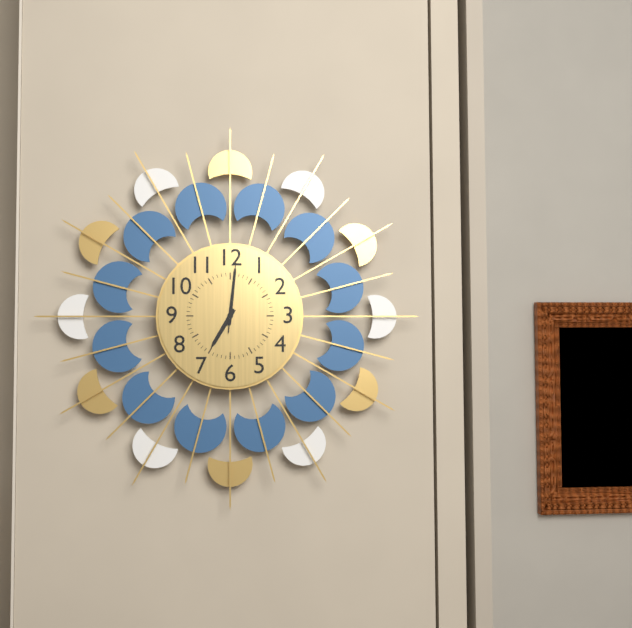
7:01:01
